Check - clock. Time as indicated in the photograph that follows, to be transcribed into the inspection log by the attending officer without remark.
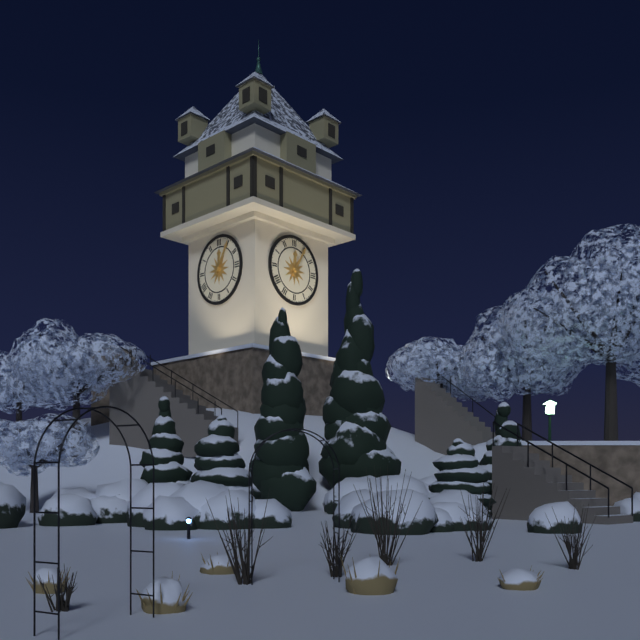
12:05
